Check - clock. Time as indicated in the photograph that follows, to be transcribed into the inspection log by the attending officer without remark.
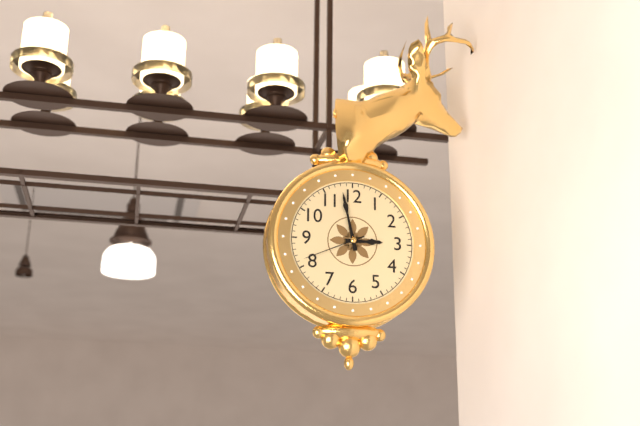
2:58:41
